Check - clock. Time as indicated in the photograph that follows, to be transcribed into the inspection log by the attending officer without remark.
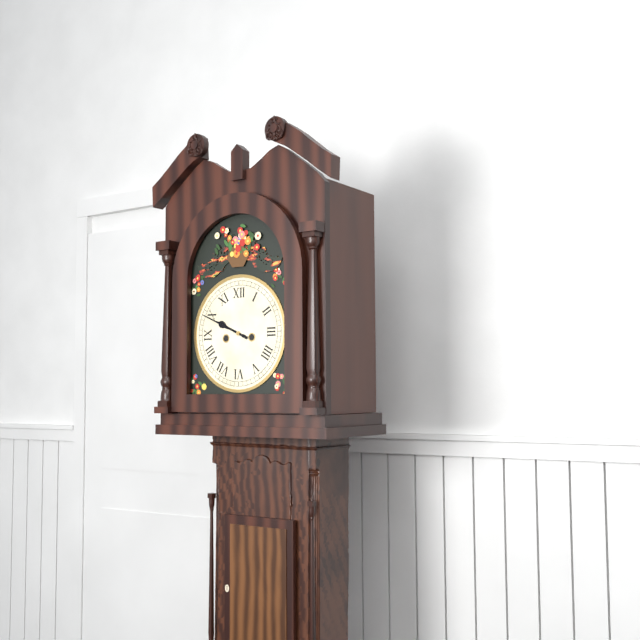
9:49
